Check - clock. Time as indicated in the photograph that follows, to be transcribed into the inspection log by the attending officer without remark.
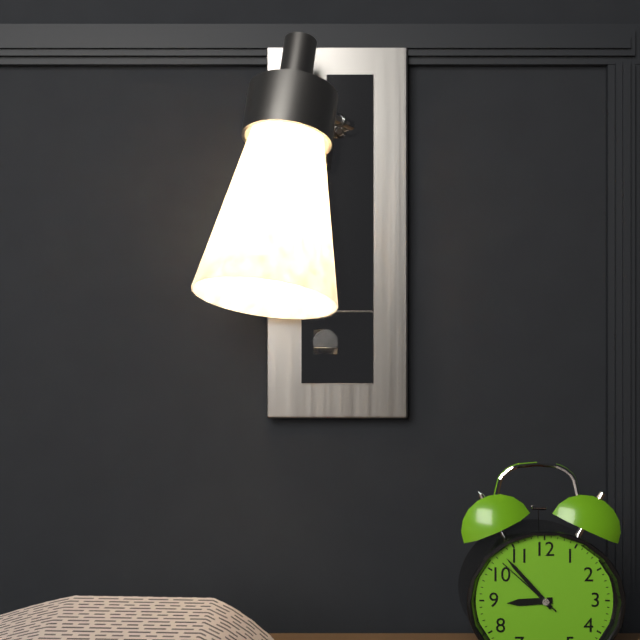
8:53:52
